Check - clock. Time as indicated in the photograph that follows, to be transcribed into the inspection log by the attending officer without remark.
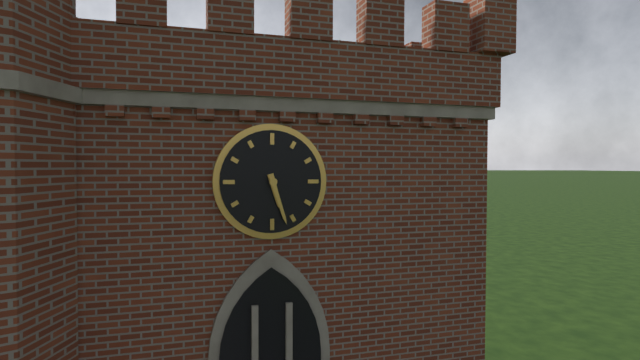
5:27
